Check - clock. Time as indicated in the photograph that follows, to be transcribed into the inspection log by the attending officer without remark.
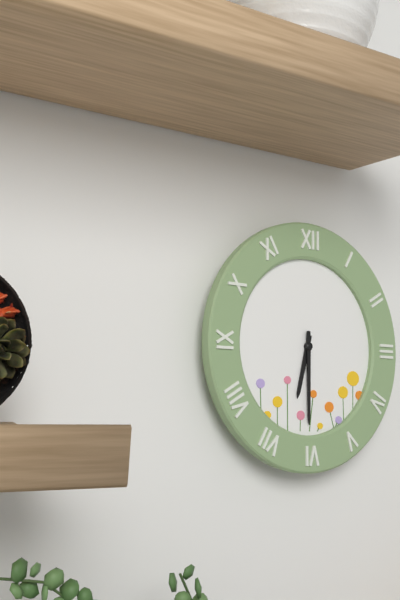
6:30
